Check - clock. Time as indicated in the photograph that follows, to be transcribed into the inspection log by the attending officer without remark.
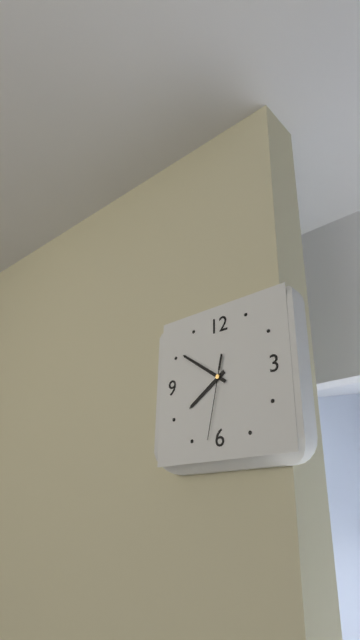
7:51:32
